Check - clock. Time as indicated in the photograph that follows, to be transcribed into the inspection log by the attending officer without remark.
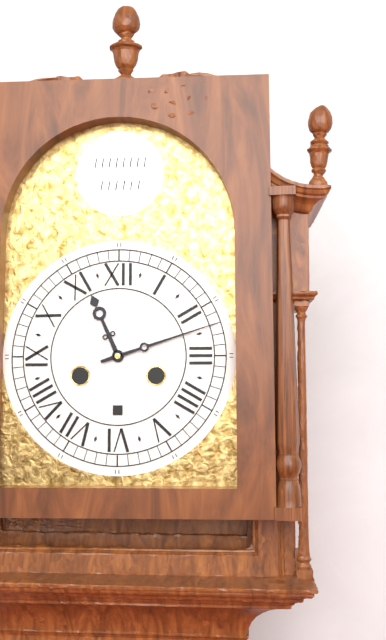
11:12
